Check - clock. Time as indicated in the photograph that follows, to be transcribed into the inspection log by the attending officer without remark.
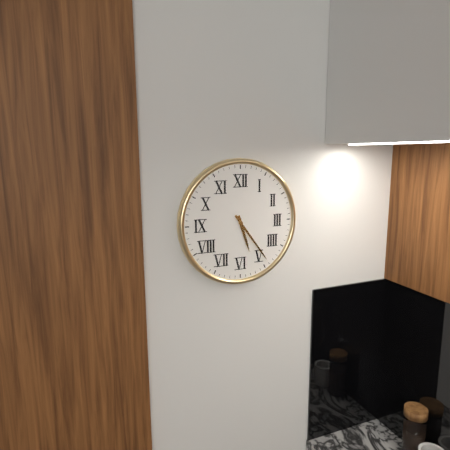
5:24
